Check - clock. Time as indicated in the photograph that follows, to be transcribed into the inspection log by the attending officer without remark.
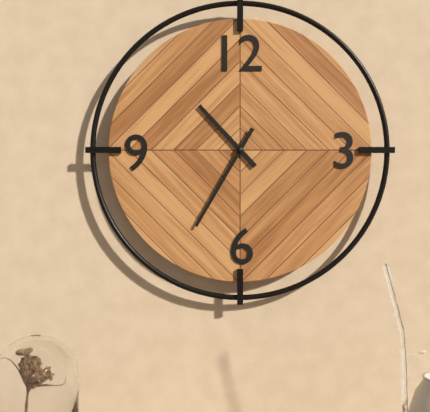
10:35
